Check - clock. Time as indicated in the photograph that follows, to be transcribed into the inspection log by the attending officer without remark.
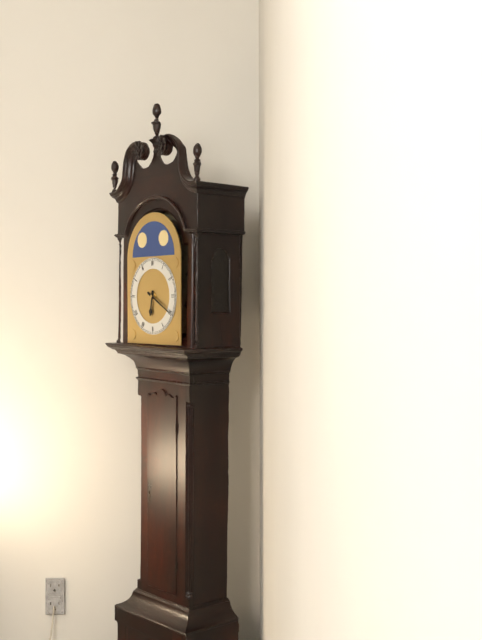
6:20
